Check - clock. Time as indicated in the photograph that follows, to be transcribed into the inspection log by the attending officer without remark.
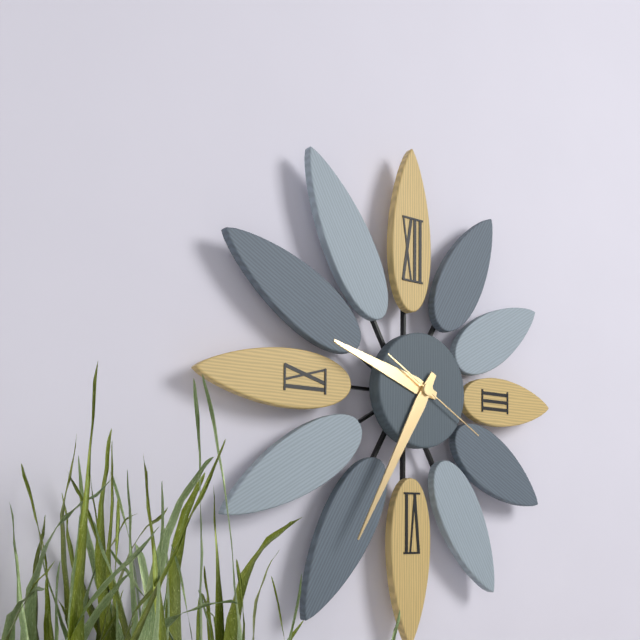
9:35:20
